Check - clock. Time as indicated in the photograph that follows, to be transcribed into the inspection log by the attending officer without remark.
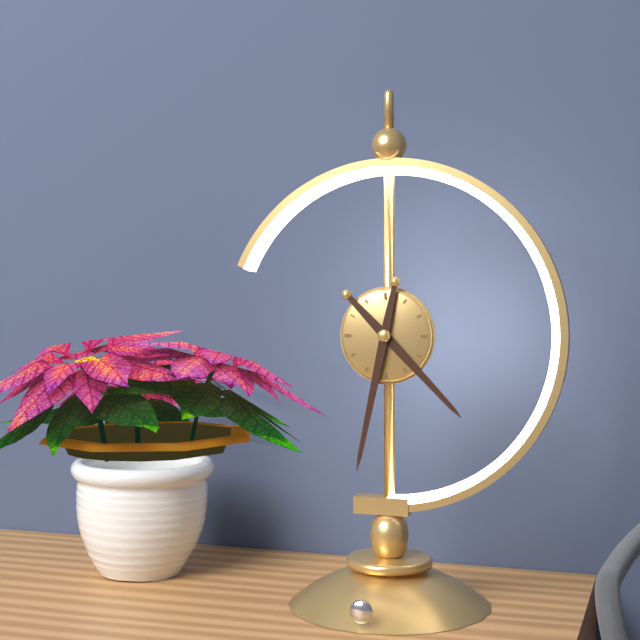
4:32
